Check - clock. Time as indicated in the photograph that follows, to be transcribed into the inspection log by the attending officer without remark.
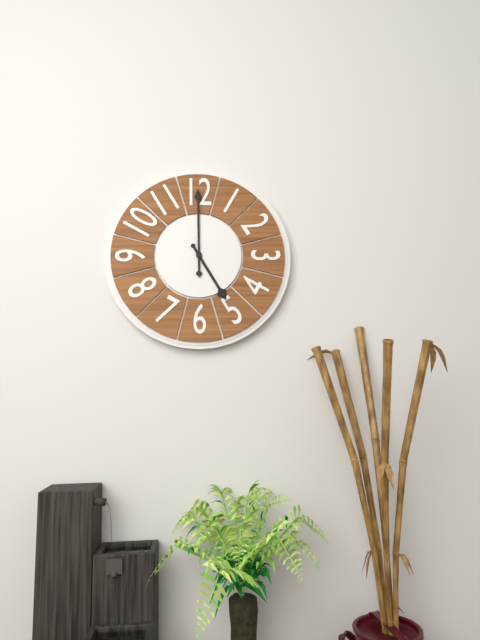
5:00
